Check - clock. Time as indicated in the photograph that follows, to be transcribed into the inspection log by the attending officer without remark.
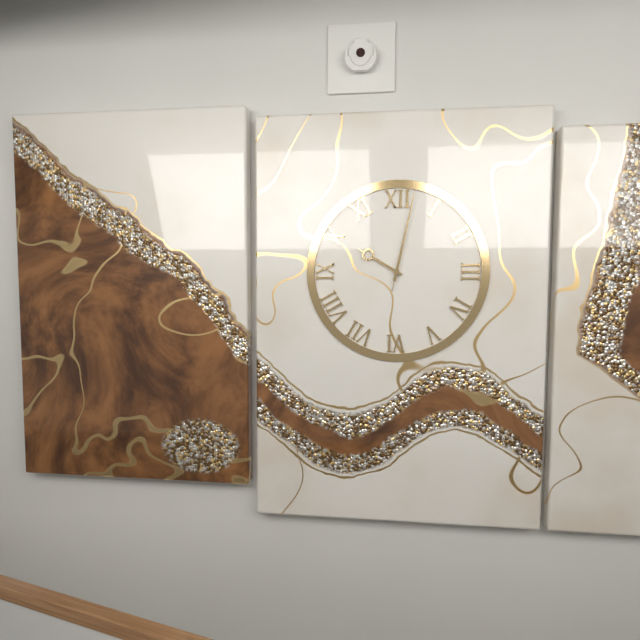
10:02:02
